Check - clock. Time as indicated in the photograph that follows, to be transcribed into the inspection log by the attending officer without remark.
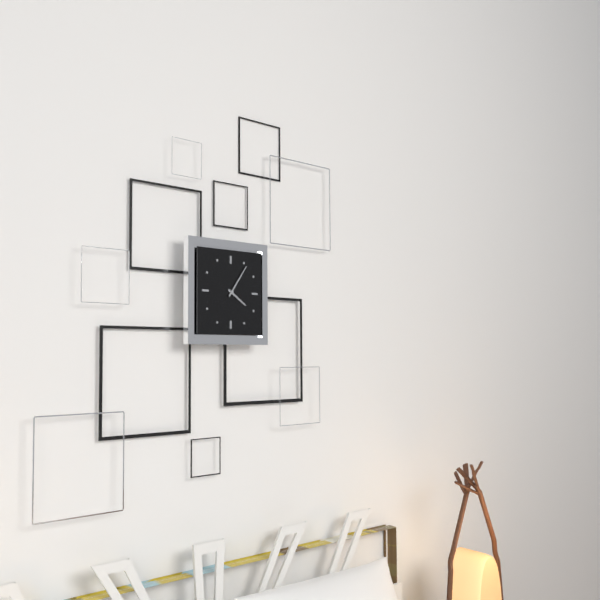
4:06
